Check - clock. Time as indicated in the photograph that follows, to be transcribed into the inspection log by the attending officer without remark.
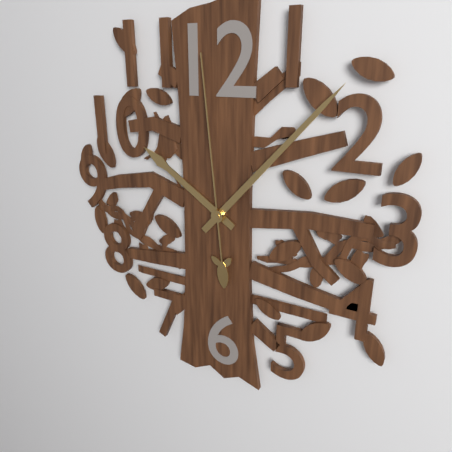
10:07:59
